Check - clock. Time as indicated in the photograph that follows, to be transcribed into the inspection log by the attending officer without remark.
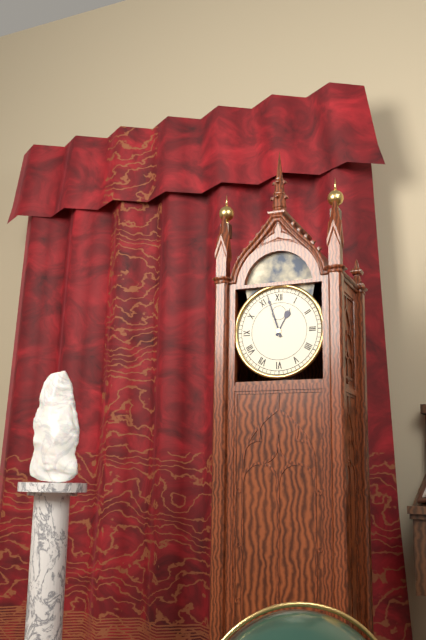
12:57
